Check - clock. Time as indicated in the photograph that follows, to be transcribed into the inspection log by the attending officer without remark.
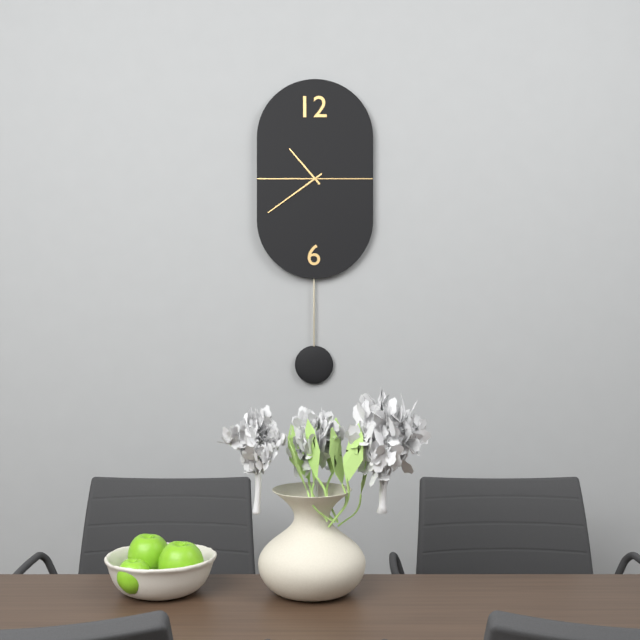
10:39
